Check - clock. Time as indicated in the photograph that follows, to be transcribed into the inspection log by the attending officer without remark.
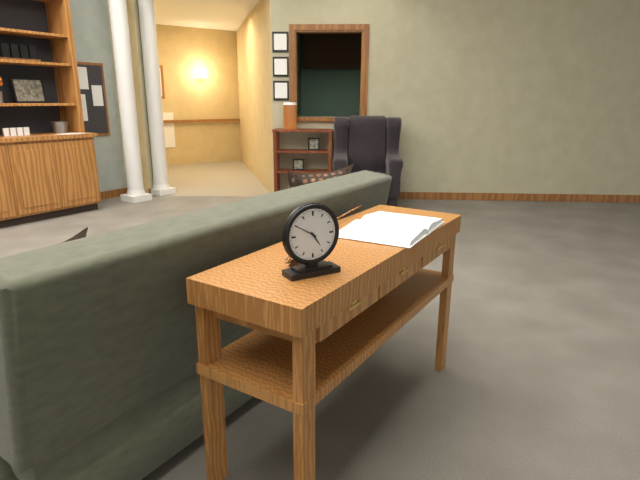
4:50
